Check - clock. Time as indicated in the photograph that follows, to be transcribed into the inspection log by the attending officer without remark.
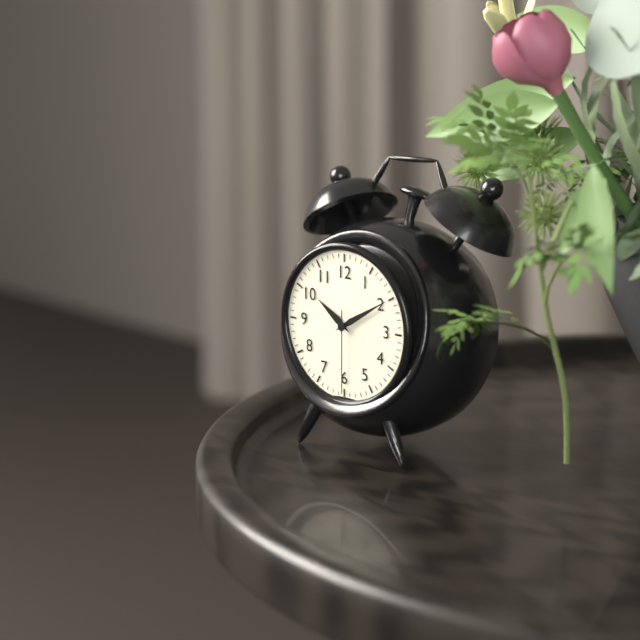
10:10:30
